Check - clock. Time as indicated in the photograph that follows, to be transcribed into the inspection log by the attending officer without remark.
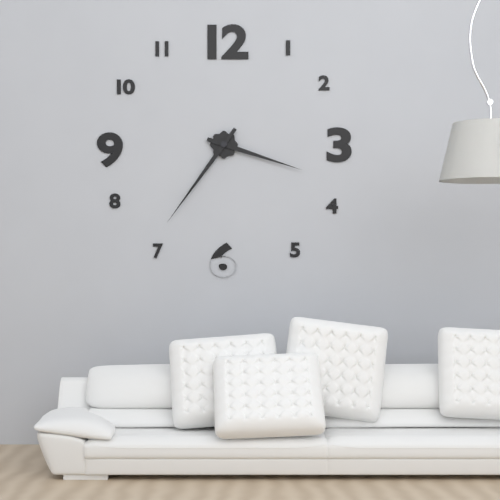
3:36
